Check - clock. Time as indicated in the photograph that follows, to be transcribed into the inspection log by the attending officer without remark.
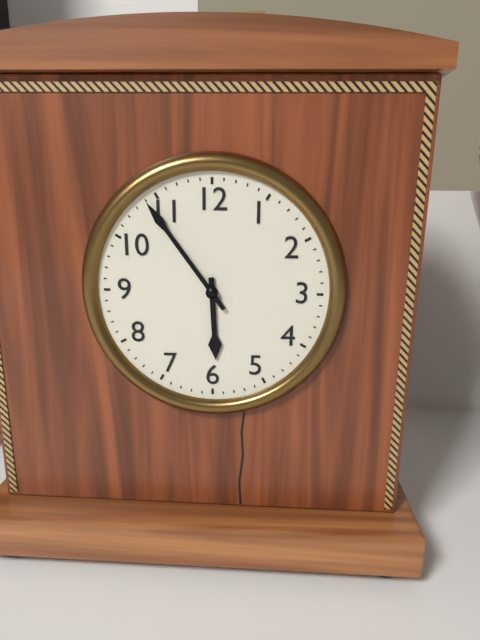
5:54
